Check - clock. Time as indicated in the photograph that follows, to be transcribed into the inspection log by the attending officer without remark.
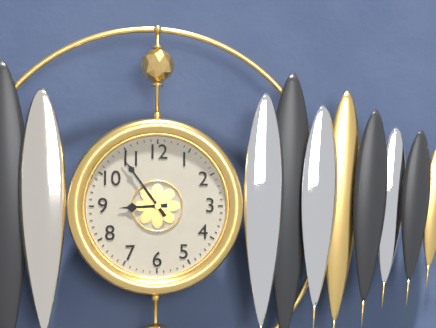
8:54
